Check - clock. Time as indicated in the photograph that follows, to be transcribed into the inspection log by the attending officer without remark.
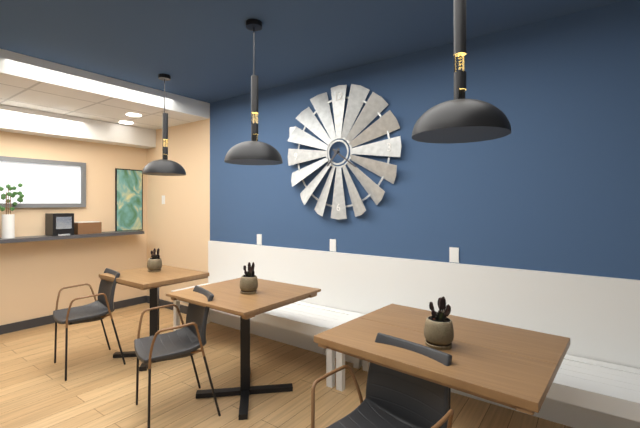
7:21
